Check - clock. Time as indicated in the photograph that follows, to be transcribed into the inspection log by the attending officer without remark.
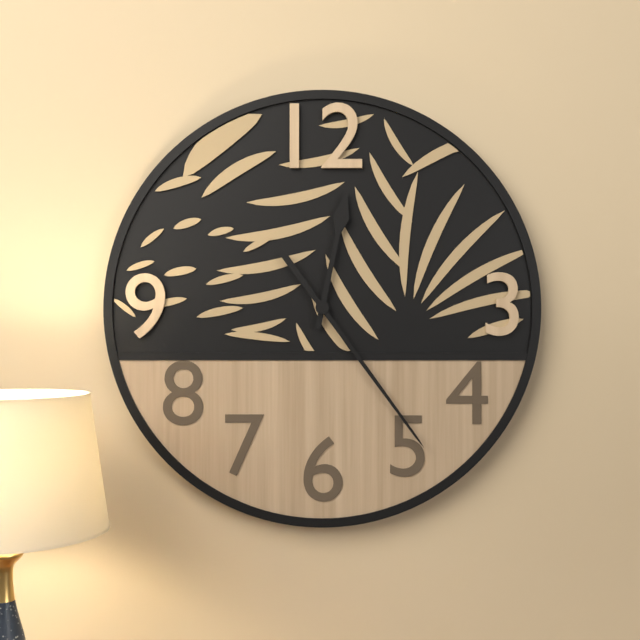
12:24
